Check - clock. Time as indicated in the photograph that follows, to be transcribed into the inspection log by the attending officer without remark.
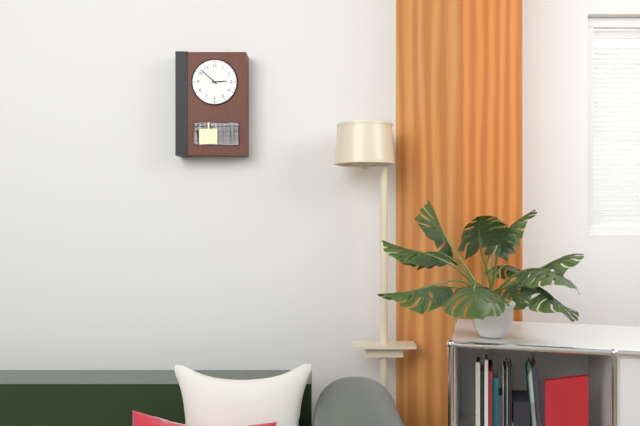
2:52
